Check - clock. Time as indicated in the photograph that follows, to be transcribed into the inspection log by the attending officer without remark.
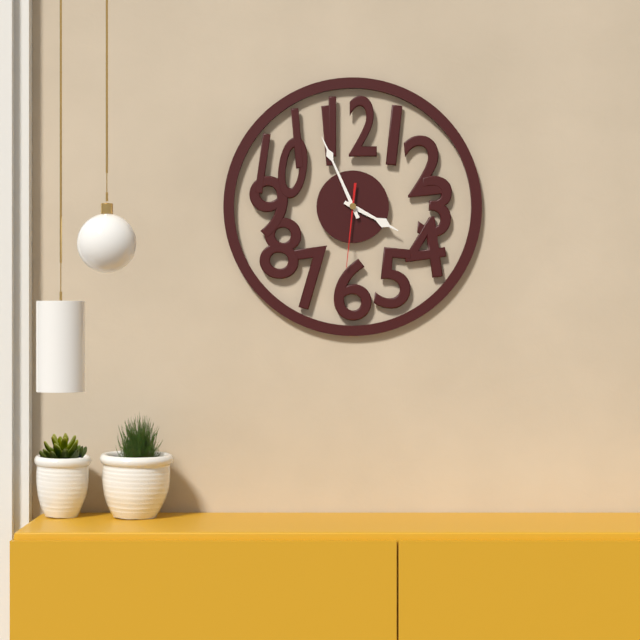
3:56:31
